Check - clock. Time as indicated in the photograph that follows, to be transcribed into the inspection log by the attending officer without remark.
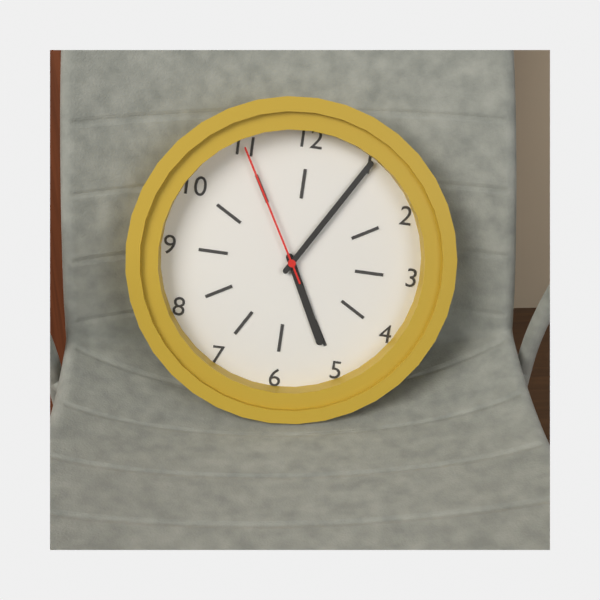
5:05:55
